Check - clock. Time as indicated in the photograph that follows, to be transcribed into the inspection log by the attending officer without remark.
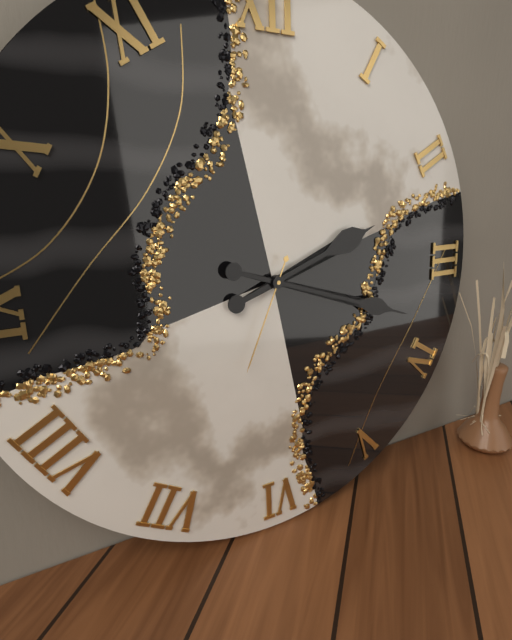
2:18:34
